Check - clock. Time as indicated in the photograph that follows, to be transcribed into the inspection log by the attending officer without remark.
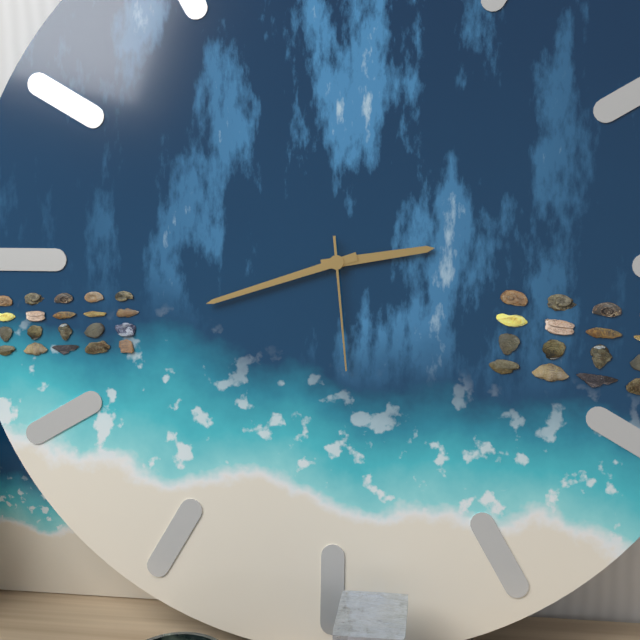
2:42:29
